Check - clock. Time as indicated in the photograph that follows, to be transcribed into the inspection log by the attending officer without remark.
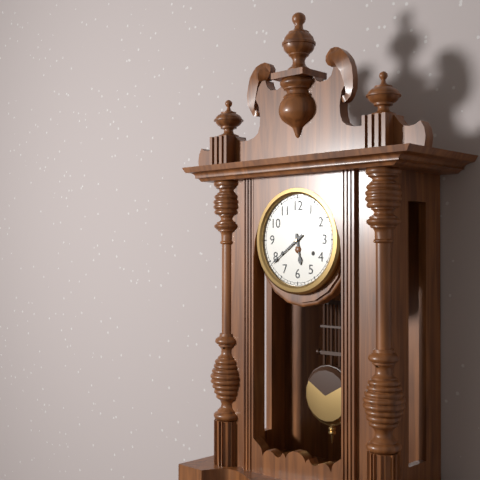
5:39
